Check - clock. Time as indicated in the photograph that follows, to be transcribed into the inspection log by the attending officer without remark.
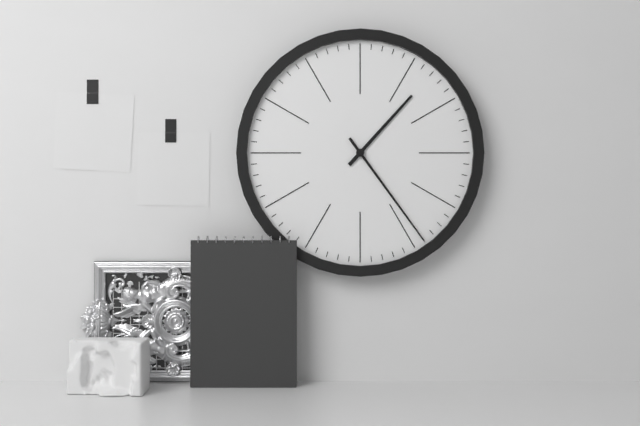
1:24
